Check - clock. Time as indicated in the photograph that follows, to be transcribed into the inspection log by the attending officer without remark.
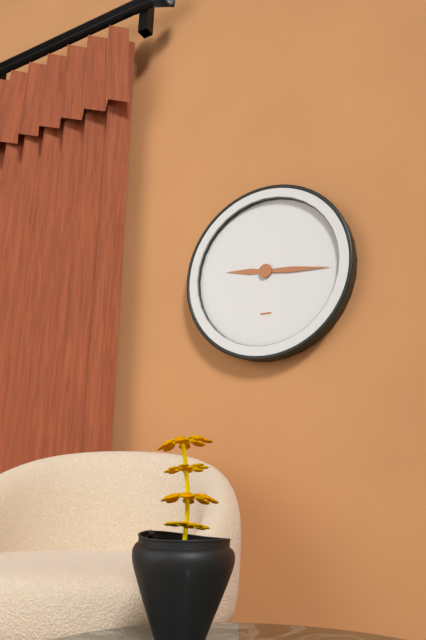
9:16
